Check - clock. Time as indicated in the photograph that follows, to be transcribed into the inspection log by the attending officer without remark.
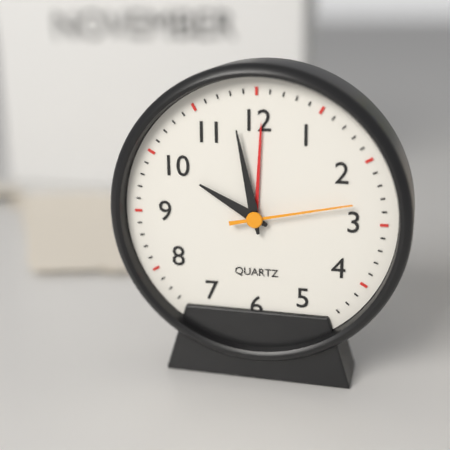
9:58:13
